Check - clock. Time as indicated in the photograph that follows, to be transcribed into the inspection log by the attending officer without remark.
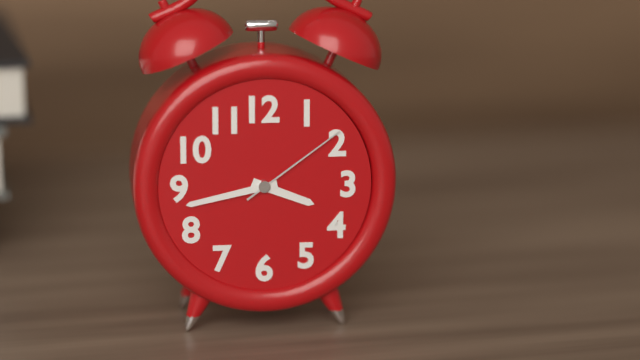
3:43:09
